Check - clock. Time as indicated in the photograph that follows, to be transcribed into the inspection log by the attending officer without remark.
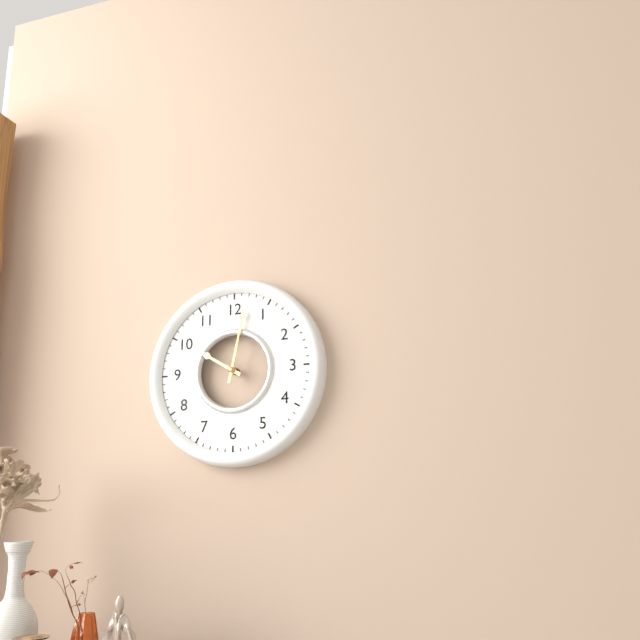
10:02
